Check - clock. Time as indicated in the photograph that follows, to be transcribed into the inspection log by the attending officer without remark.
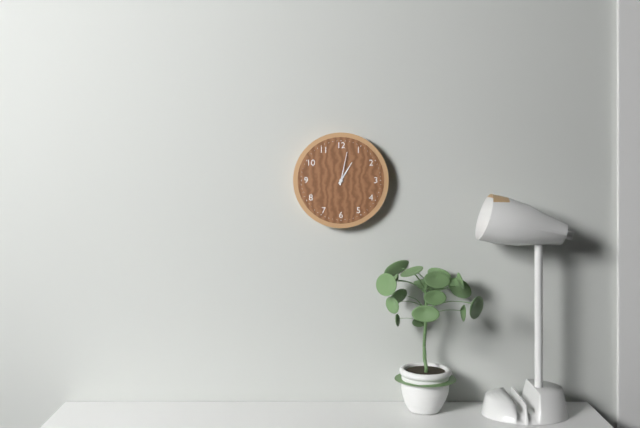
1:02
